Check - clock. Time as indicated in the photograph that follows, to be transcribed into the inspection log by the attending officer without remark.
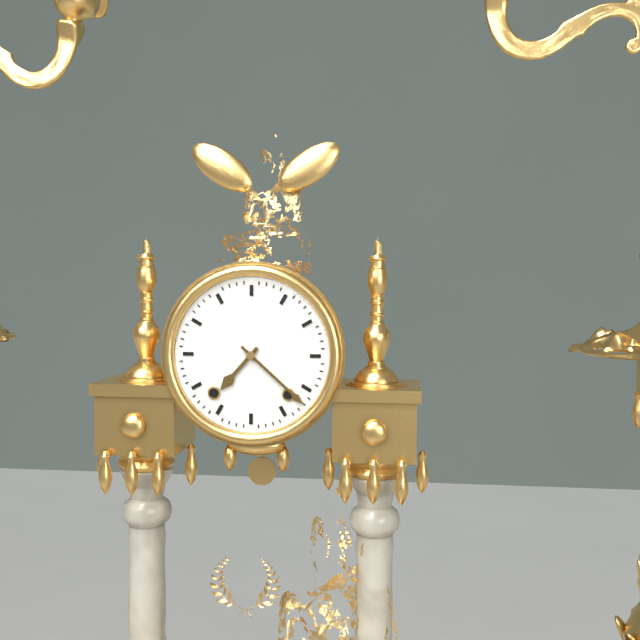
7:22
